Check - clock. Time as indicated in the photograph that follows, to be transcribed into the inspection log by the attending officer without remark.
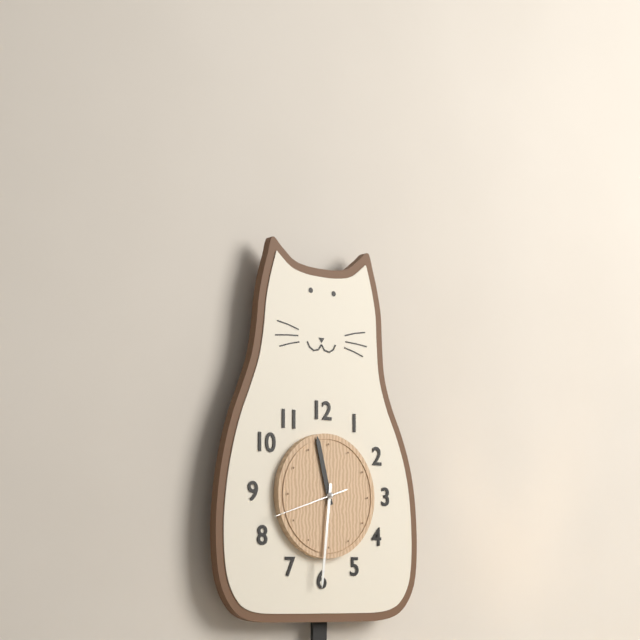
11:31:42
